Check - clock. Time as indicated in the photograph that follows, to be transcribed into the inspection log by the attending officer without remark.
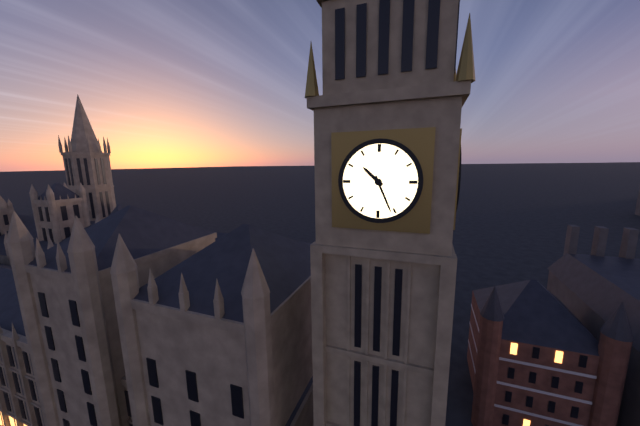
10:26
